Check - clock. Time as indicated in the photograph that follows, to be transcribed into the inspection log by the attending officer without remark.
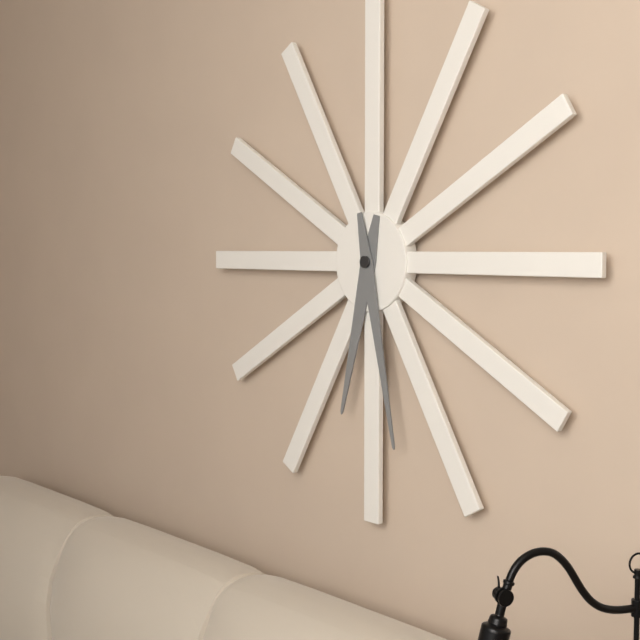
6:28
